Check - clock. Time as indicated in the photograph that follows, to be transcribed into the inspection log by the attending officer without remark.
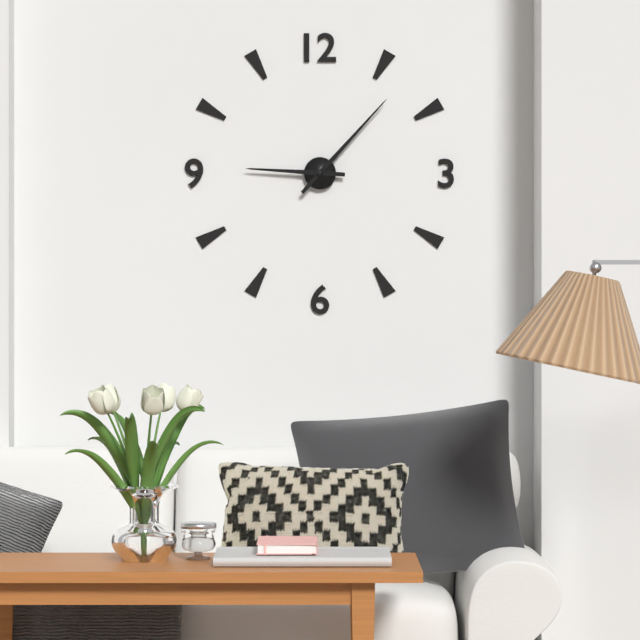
9:07
